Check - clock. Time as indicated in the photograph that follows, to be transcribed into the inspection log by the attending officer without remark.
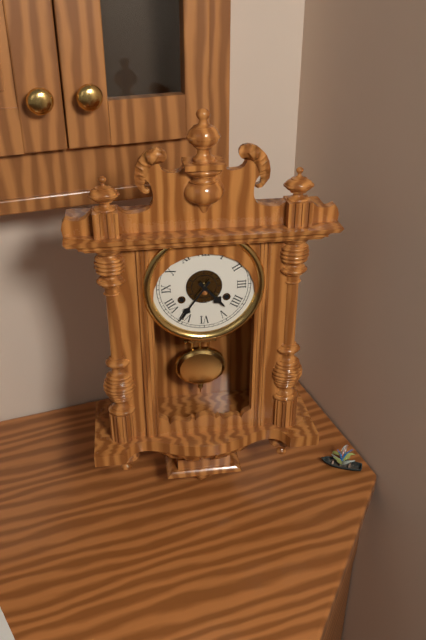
4:36
